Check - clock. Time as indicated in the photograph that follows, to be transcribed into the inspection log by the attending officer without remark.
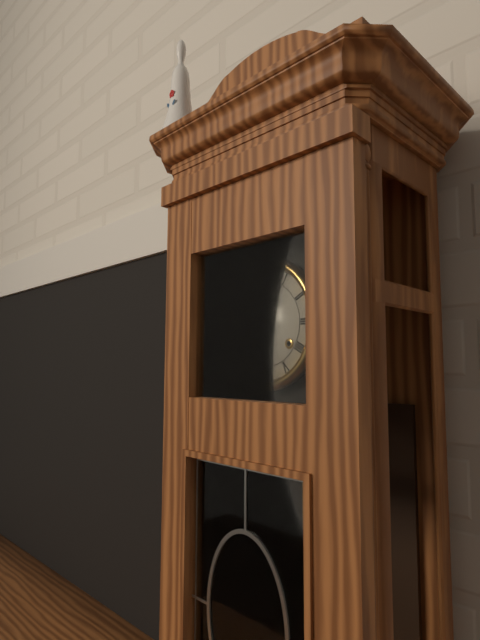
6:53
